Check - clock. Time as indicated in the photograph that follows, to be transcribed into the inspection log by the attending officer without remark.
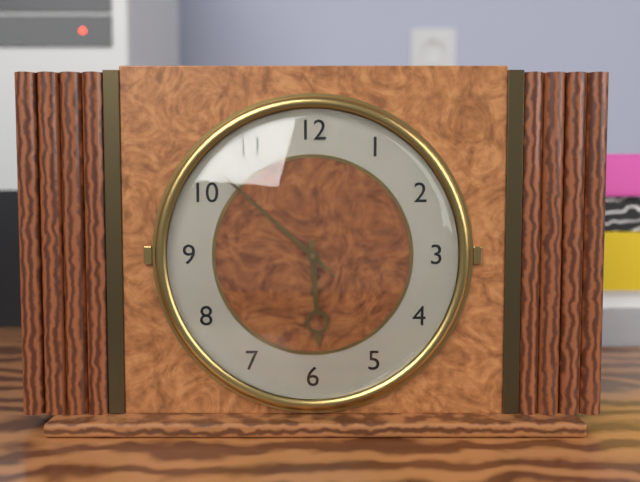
5:52:52
